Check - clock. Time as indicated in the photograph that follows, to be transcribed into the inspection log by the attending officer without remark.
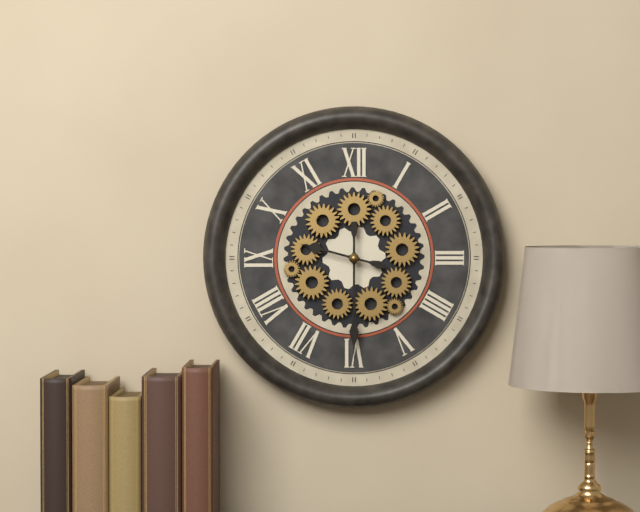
9:30
